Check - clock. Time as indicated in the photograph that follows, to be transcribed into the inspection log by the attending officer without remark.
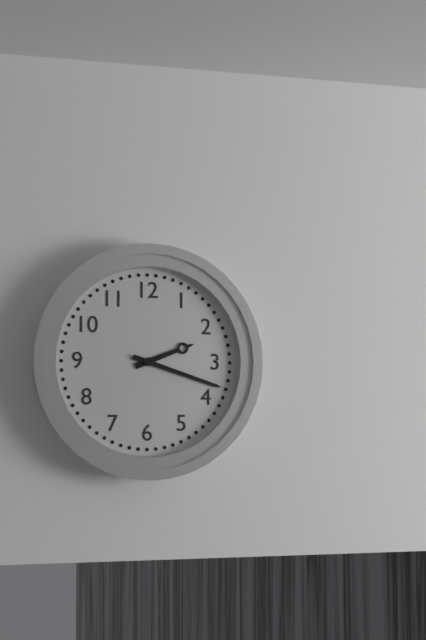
2:18
